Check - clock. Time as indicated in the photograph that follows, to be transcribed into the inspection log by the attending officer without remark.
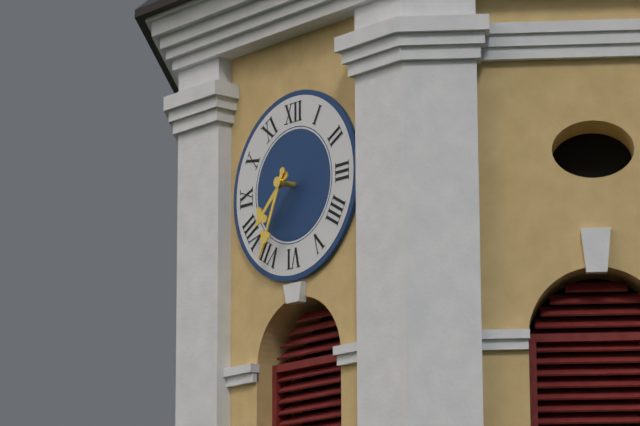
7:34
